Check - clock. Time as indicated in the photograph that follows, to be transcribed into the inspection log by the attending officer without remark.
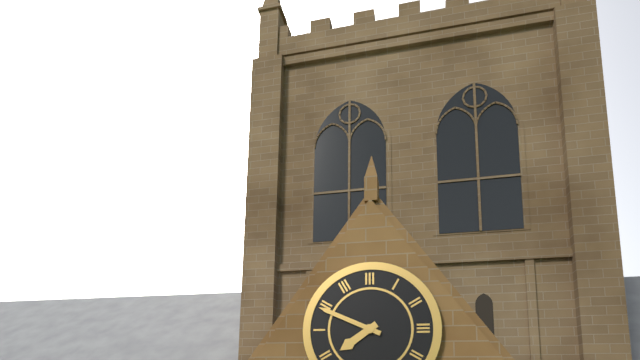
7:49
